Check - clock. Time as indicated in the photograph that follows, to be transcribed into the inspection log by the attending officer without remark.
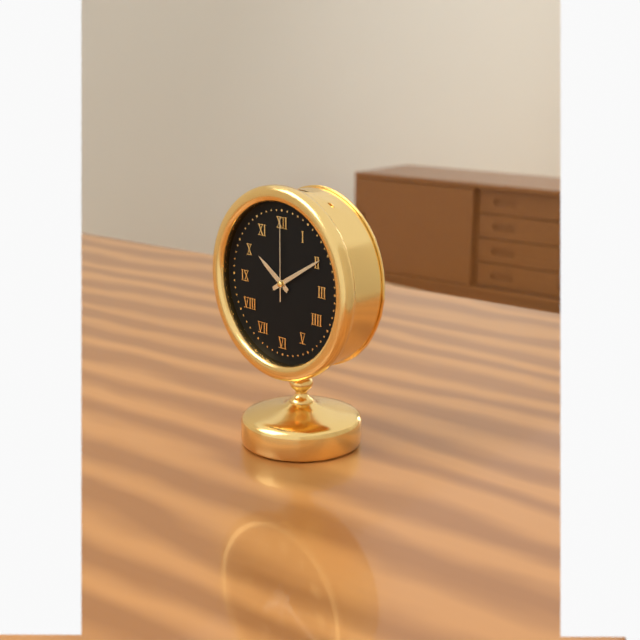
10:10:00
